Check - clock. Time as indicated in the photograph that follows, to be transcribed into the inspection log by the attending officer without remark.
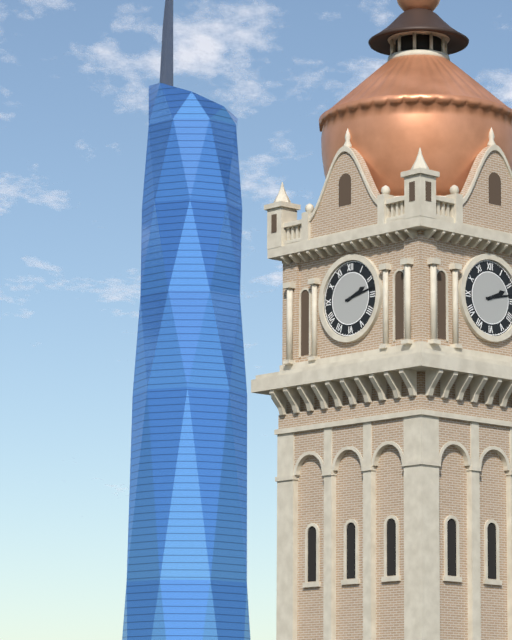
2:13
